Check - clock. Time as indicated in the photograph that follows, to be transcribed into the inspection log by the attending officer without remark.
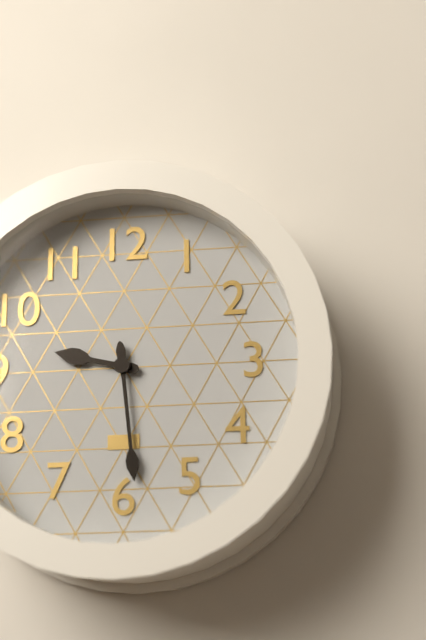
9:29
